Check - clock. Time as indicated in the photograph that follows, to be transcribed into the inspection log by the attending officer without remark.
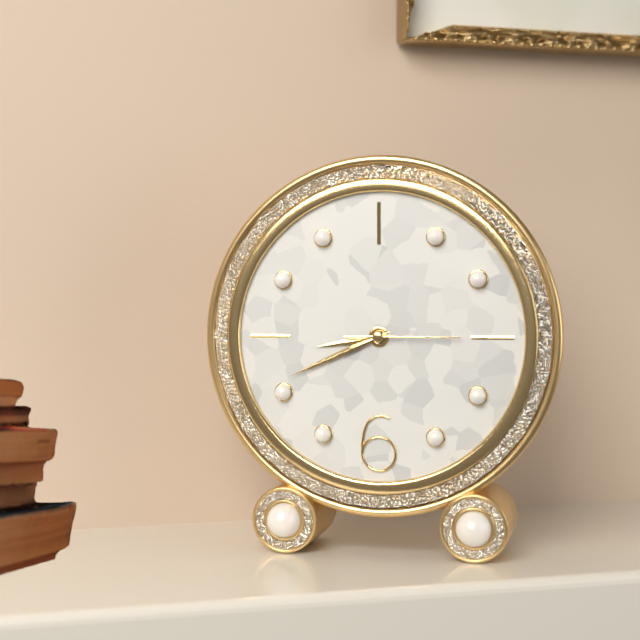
8:41:15
